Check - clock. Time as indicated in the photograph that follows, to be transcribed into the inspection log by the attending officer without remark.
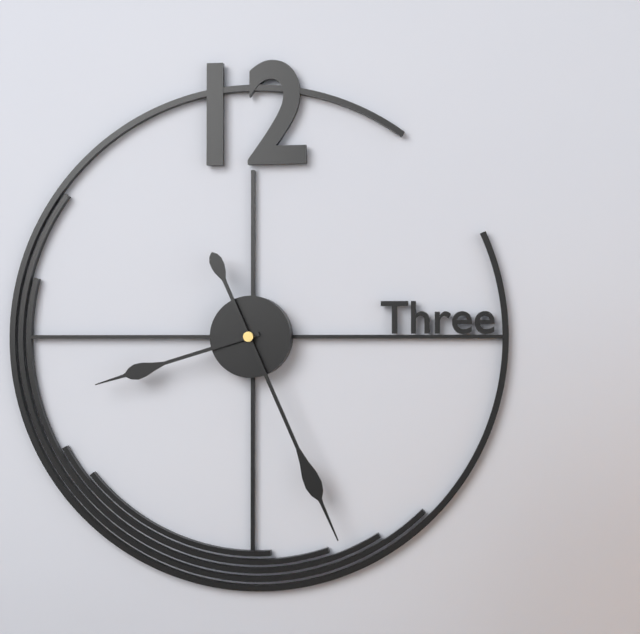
8:26
